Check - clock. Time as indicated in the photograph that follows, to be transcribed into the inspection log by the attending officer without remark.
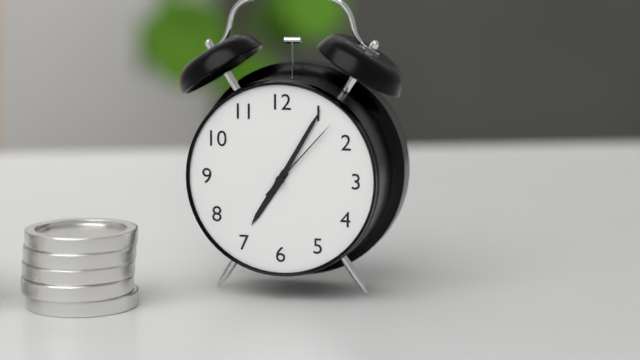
7:05:07
